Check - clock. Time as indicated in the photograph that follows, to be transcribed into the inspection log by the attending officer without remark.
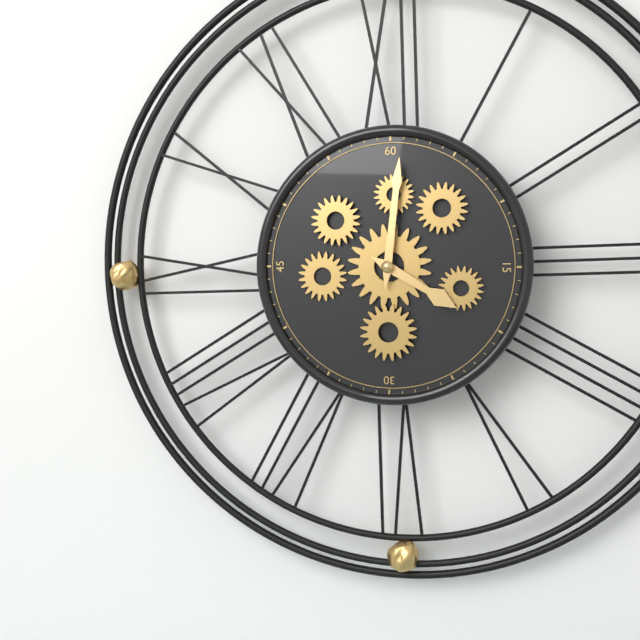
4:01
